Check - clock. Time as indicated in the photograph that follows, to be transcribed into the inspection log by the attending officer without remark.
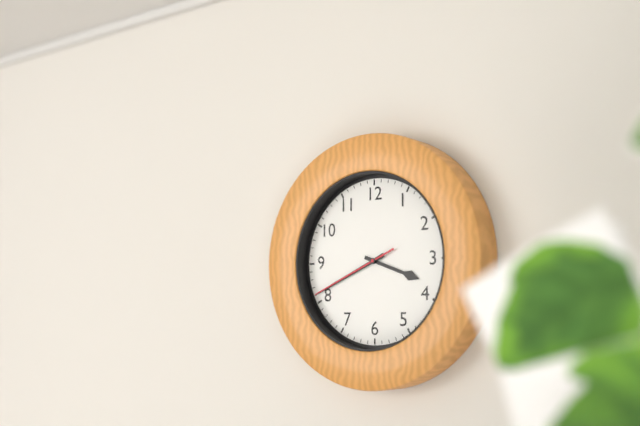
3:41:41
